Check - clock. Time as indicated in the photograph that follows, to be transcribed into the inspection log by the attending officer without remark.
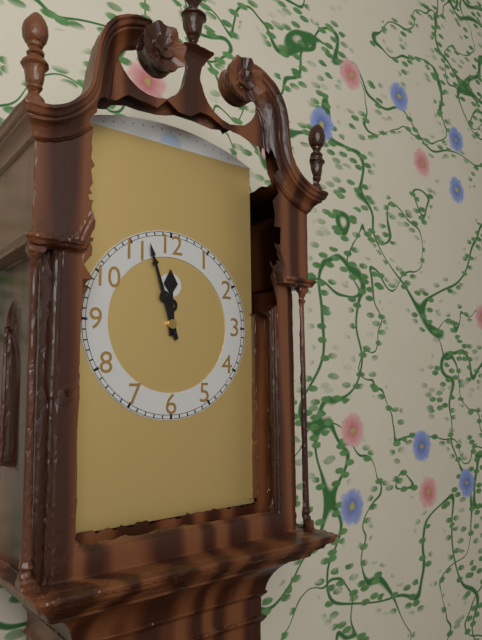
11:57
